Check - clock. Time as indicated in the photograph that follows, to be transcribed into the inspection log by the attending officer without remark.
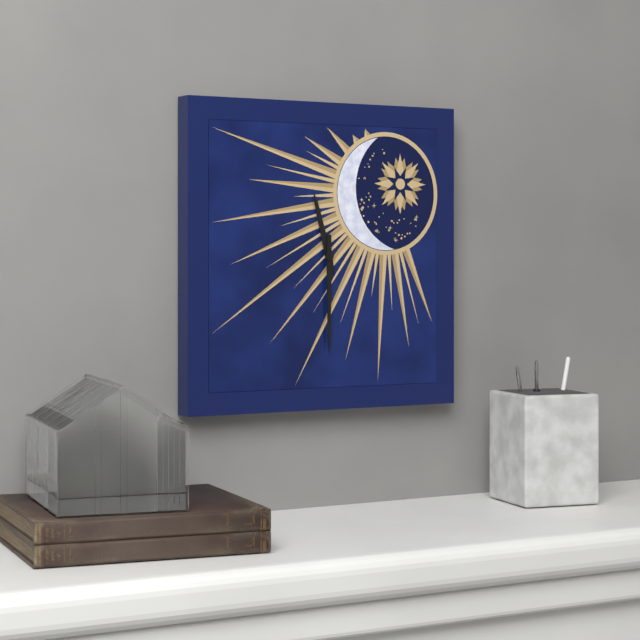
11:30
